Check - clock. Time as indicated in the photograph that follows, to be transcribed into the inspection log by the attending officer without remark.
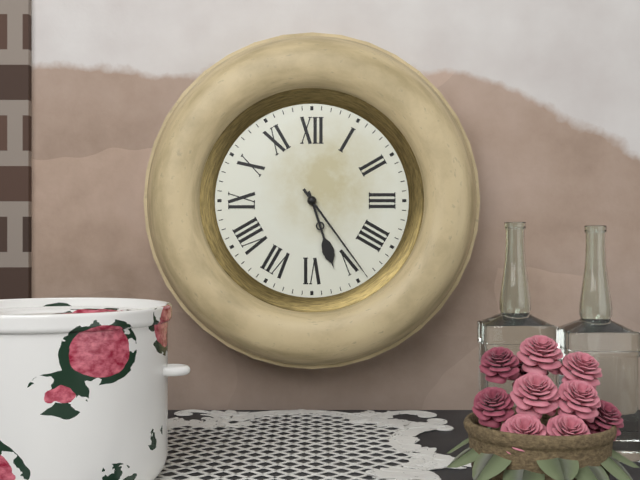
5:24
